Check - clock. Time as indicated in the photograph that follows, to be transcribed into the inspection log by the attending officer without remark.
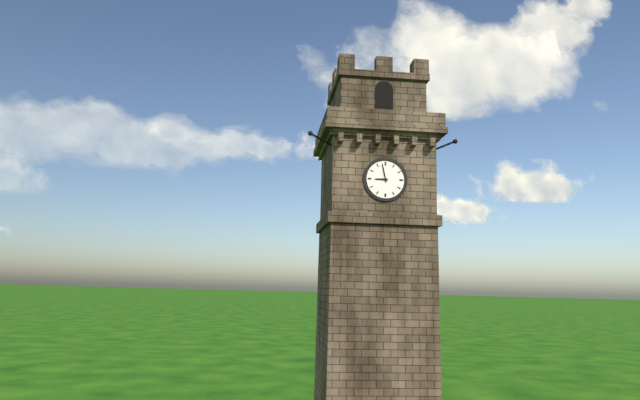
8:58
